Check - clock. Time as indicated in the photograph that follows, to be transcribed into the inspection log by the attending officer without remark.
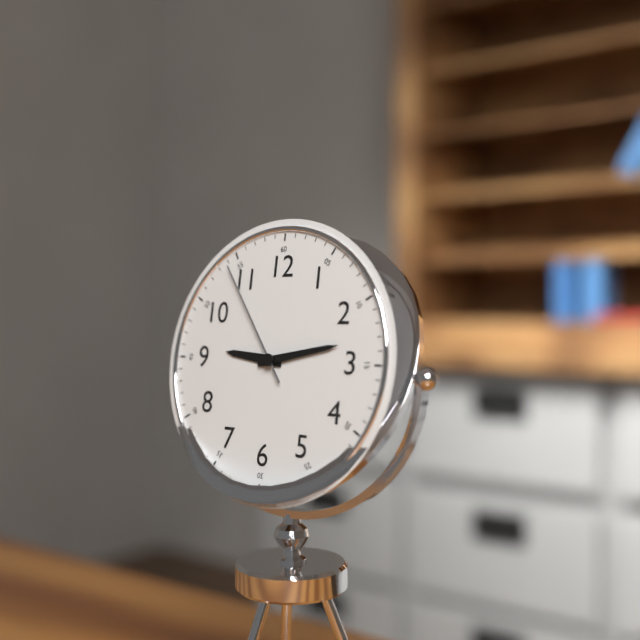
9:13:54
